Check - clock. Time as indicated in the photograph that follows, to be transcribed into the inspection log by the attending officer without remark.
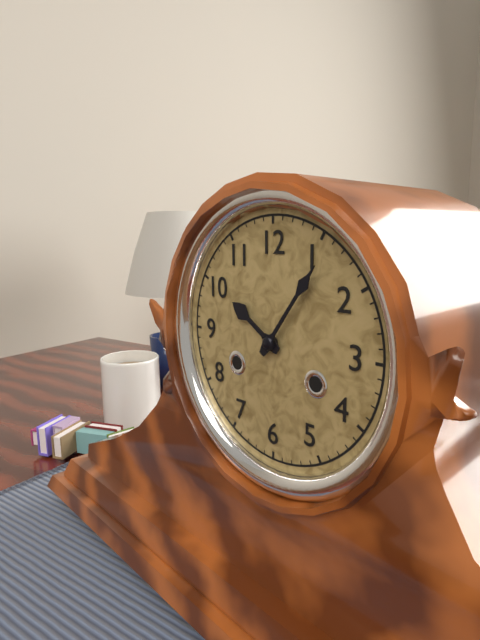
10:06
